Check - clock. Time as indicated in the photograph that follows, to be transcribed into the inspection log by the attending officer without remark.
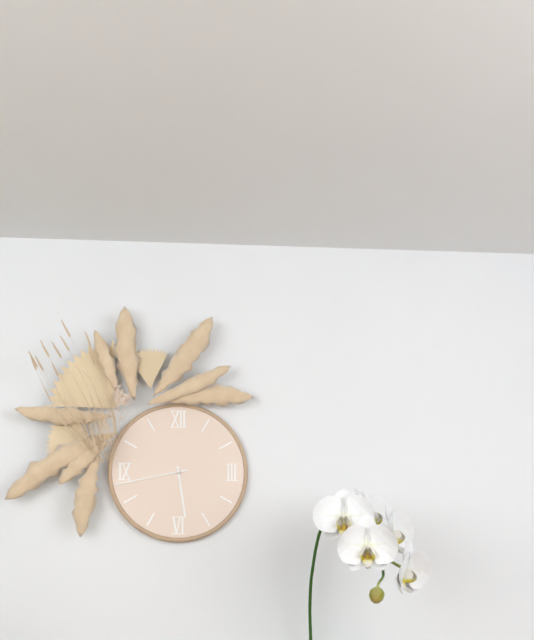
5:43
